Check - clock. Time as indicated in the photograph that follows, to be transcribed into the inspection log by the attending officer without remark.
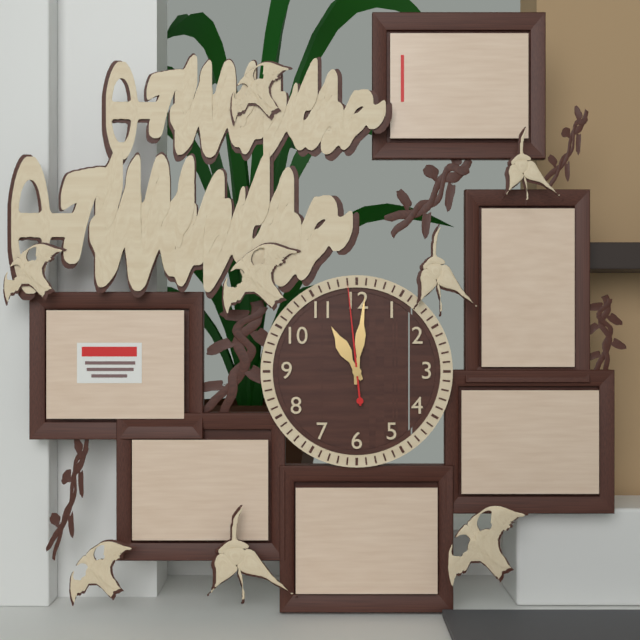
11:01:59
